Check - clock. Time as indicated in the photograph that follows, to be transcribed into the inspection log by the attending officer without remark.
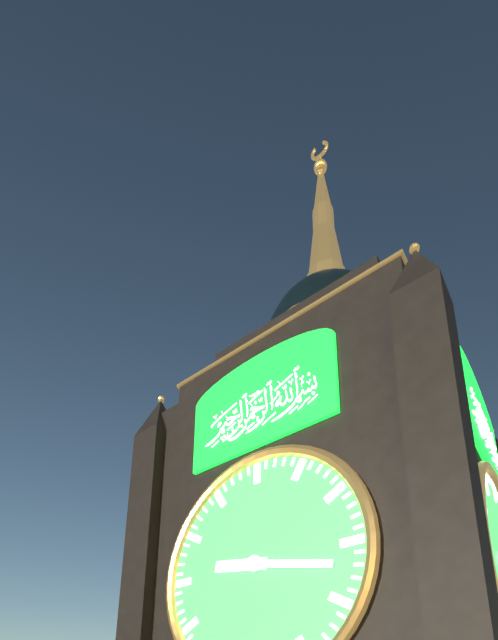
9:17
